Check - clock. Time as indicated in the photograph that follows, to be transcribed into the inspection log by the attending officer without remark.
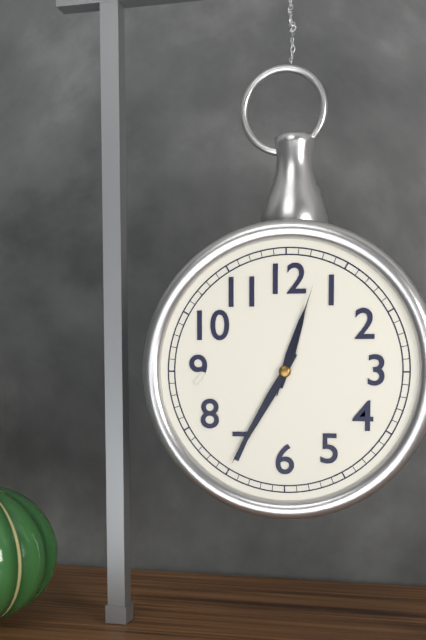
12:35:03
